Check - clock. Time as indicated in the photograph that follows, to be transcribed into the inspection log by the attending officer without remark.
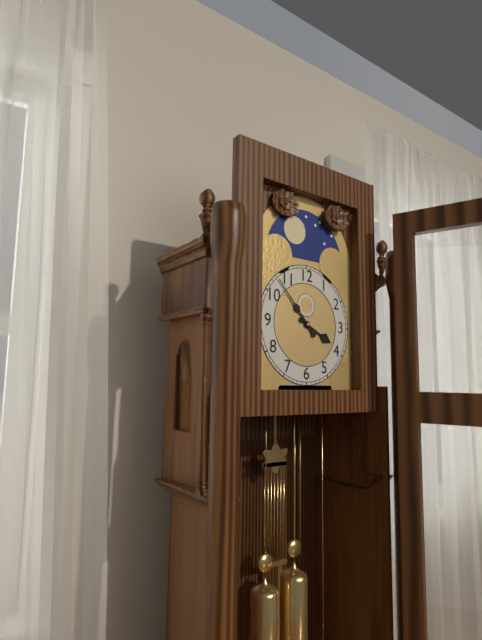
3:53
